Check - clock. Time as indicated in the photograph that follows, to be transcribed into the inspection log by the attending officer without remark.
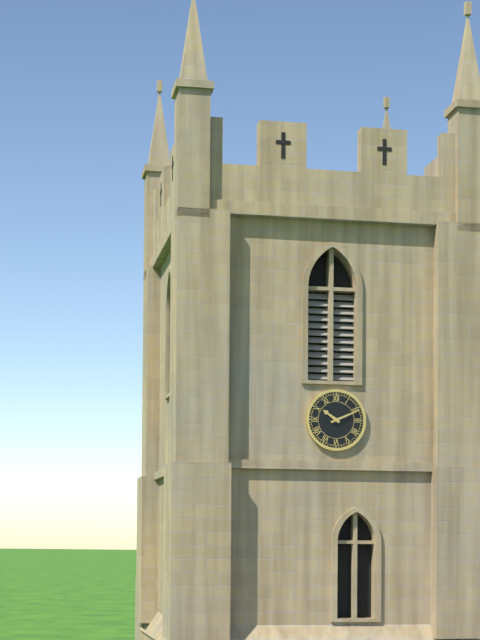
10:11
